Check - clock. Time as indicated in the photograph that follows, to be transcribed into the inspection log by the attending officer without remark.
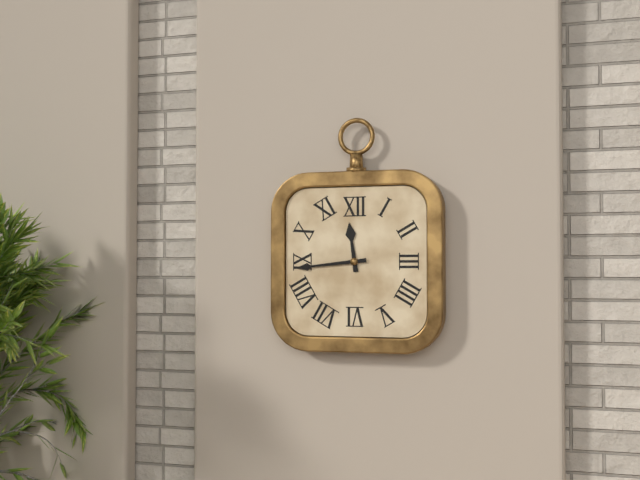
11:44
